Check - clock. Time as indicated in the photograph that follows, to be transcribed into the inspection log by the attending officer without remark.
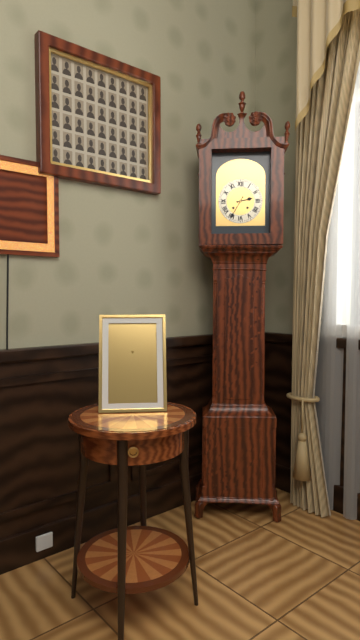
2:35
